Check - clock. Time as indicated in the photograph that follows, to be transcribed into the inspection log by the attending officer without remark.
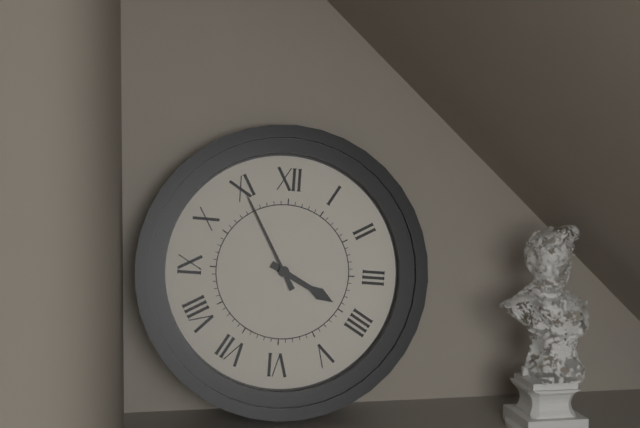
3:55
